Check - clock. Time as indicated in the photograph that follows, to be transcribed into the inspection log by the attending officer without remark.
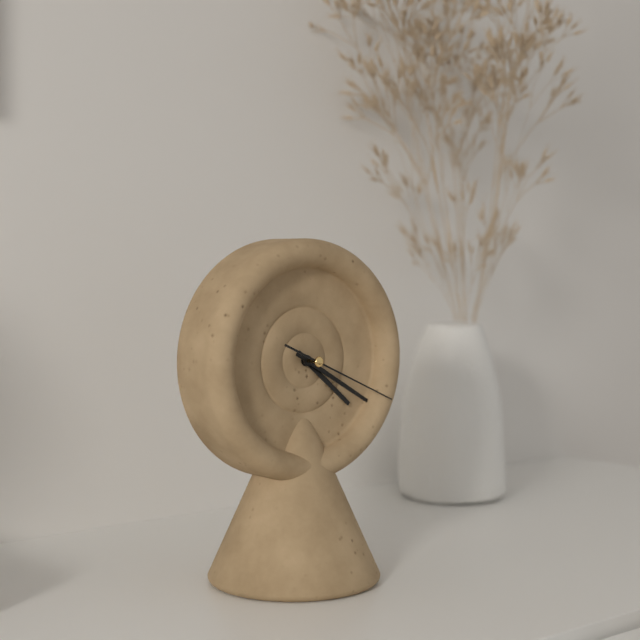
4:20:19
